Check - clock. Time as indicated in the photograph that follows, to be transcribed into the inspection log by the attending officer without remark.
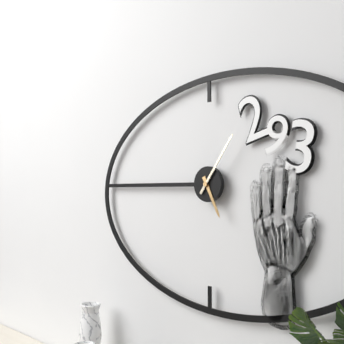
5:06
